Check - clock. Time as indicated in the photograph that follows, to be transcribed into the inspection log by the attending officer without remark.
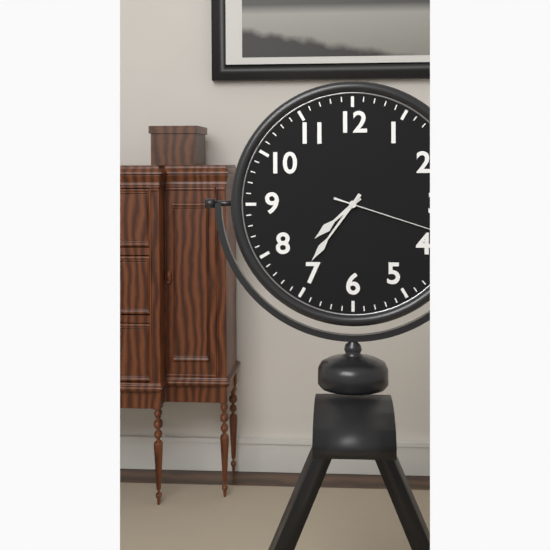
7:36:18
